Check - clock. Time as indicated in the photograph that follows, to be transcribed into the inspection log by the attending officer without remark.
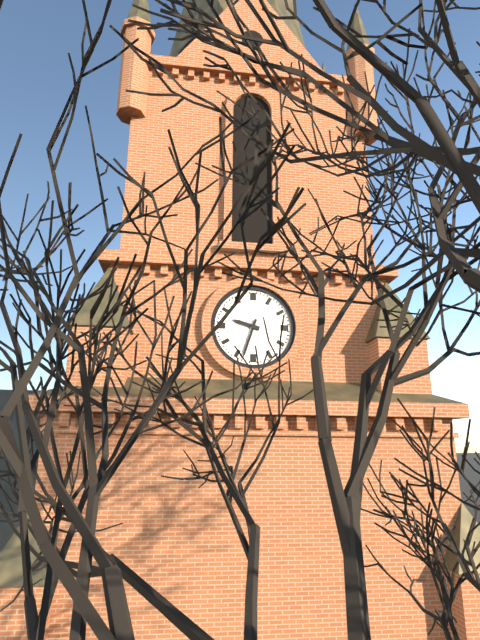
9:33
